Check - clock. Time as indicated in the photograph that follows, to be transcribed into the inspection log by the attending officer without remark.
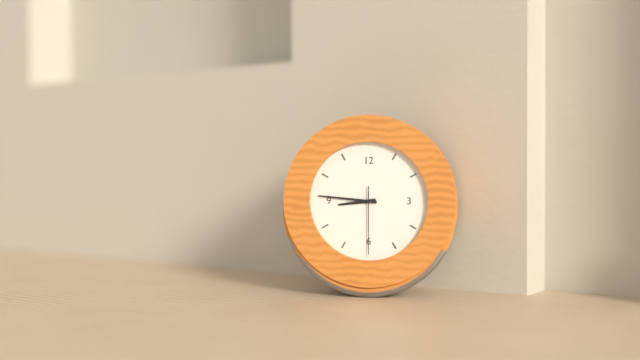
8:46:30
